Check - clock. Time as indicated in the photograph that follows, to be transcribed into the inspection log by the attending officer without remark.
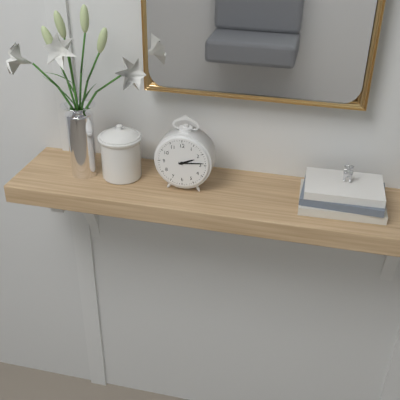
2:14
